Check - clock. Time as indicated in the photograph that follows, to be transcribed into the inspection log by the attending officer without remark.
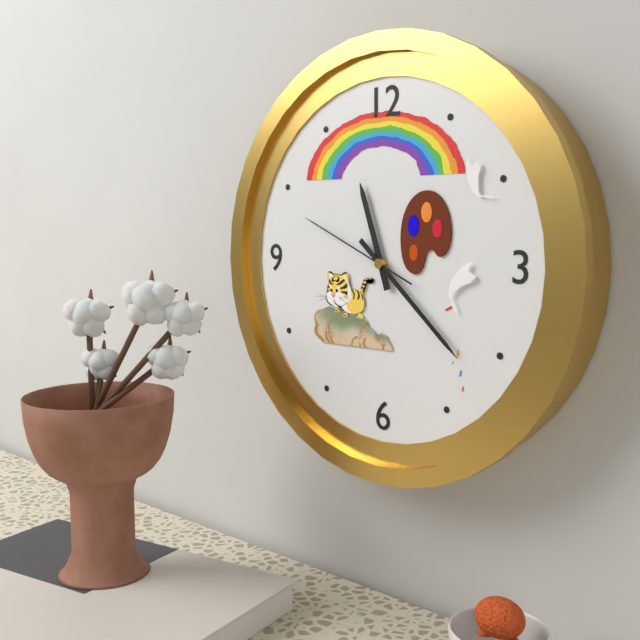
11:22:49
